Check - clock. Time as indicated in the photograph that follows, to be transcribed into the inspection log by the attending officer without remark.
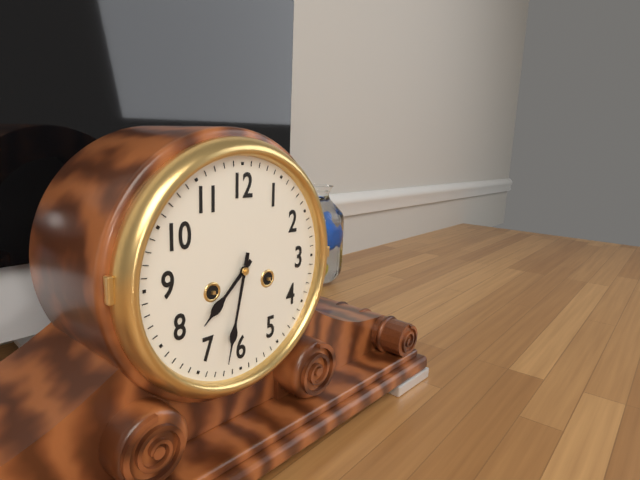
7:32
